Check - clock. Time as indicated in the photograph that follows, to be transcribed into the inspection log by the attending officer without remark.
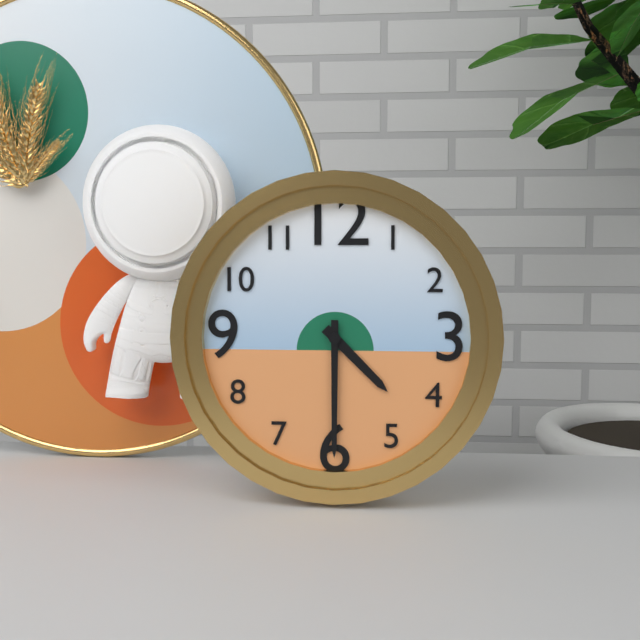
4:30
